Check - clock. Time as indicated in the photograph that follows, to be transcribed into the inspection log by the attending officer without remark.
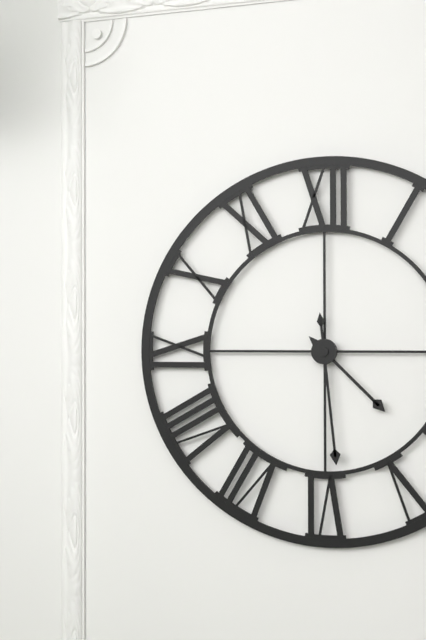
4:29
